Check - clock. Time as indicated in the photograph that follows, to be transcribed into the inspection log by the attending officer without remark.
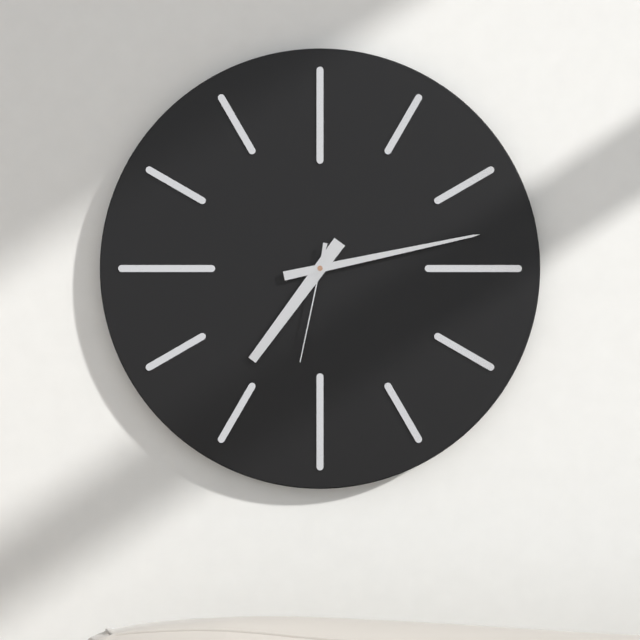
7:13:32
